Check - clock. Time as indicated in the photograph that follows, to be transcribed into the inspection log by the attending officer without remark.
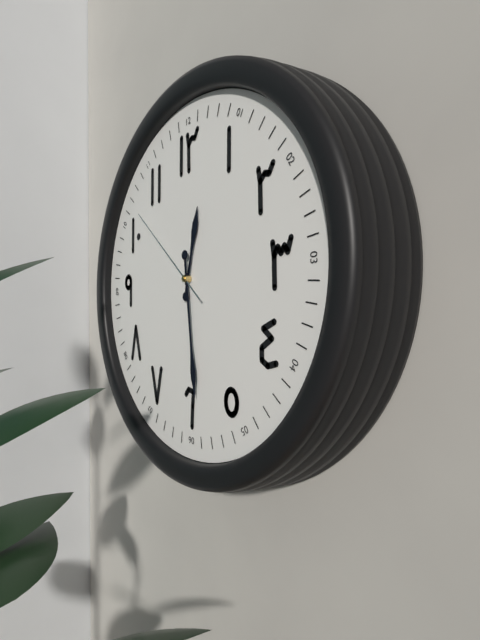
12:29:52
